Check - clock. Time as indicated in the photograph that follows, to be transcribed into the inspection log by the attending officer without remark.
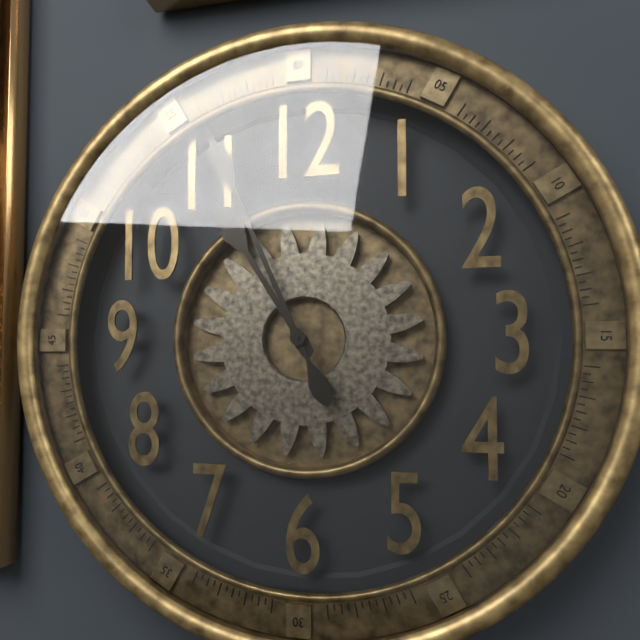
10:56
